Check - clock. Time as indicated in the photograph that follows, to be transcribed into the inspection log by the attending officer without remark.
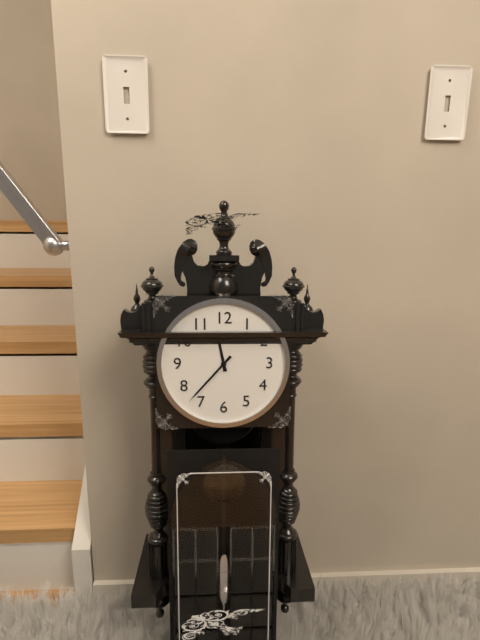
11:37
